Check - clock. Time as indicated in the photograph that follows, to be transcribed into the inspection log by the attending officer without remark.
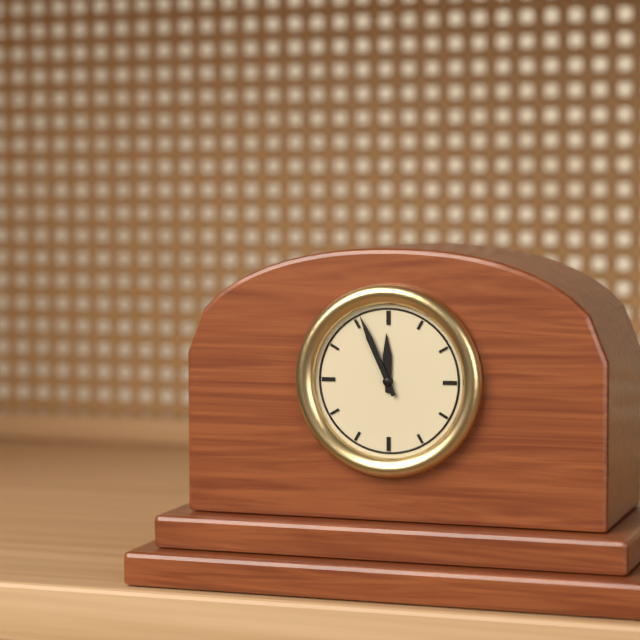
11:56
